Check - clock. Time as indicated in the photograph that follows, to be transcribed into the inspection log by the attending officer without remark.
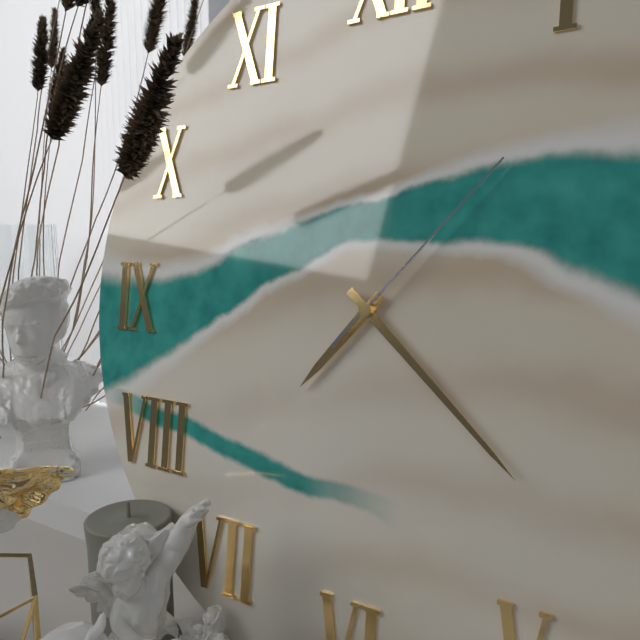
7:22:07
